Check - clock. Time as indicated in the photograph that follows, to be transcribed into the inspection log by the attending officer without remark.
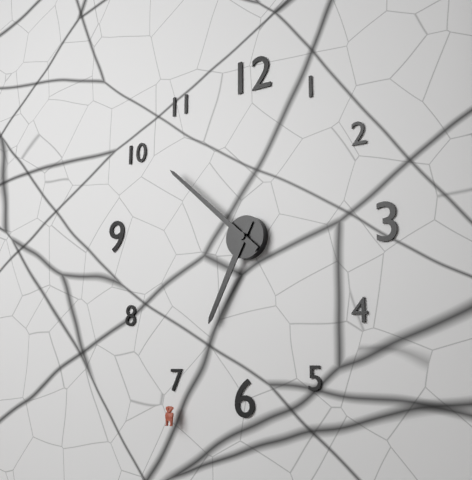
6:52
